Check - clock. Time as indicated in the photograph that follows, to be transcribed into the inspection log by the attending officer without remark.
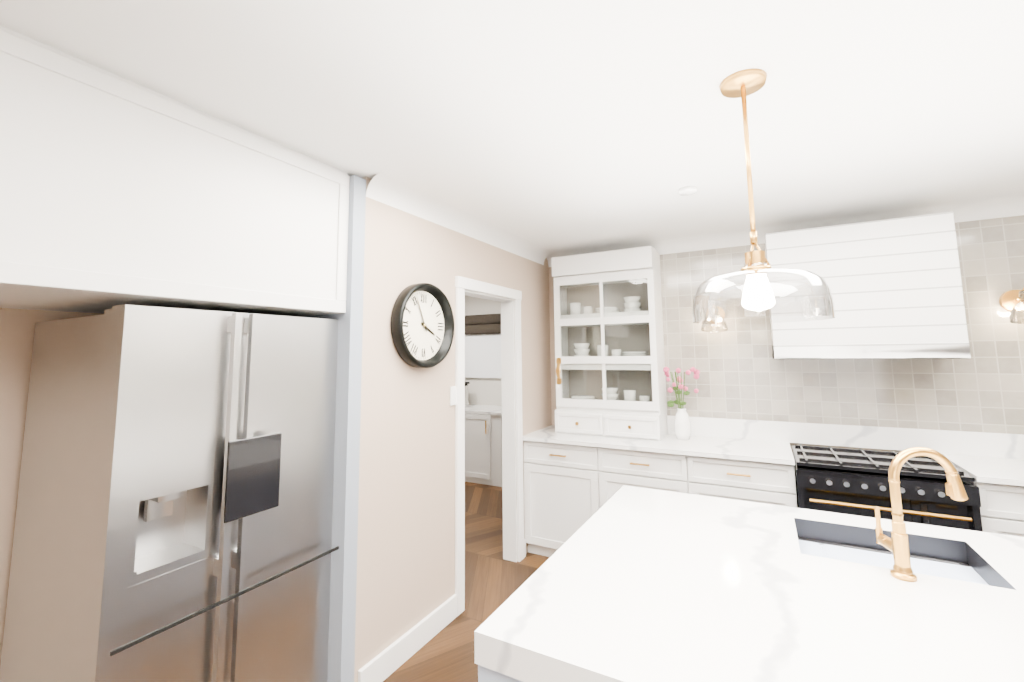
3:56
